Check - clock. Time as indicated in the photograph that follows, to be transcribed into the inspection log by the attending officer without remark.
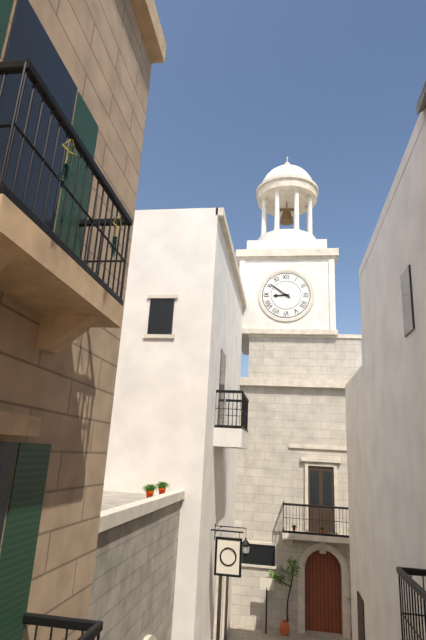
8:51
